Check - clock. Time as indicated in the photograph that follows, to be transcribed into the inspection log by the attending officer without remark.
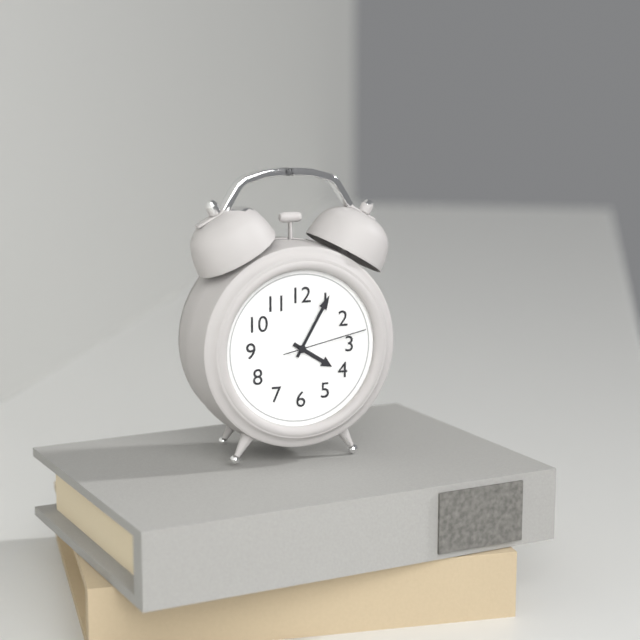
4:05:13
